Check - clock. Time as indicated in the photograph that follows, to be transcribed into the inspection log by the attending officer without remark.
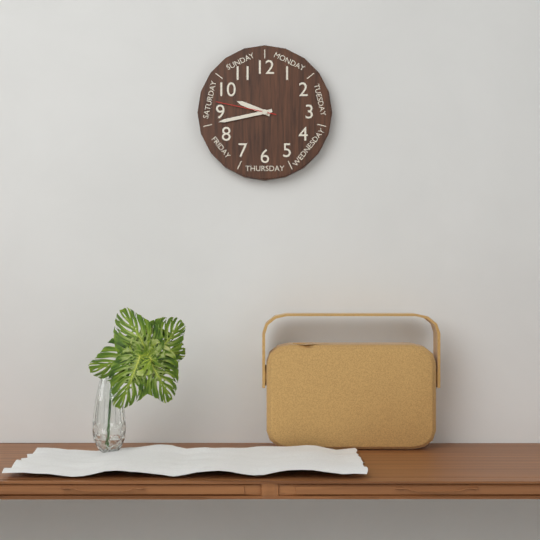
9:43:47
